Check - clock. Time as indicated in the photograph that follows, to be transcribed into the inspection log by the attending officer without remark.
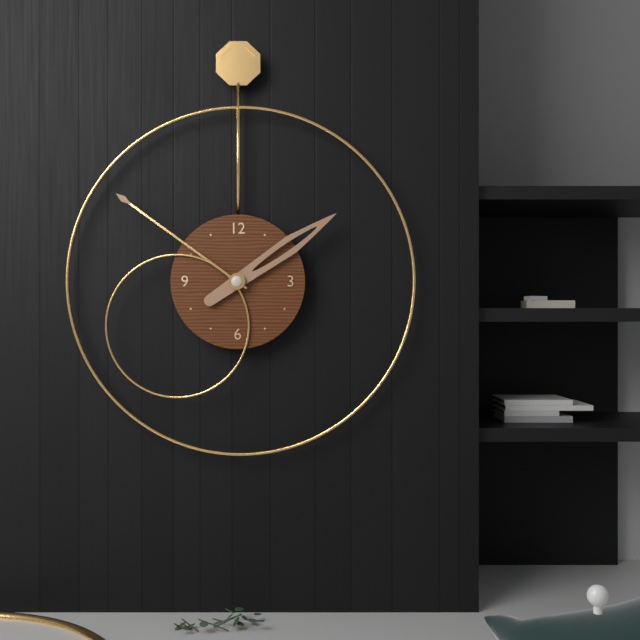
1:51
